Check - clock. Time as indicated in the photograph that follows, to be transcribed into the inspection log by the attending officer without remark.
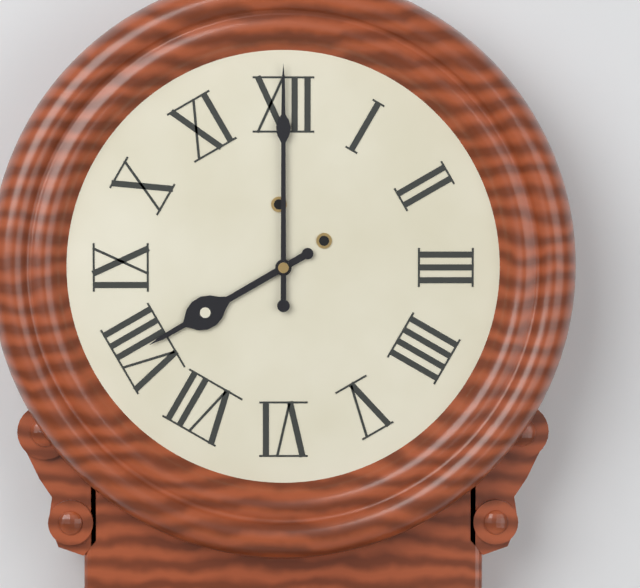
8:00
